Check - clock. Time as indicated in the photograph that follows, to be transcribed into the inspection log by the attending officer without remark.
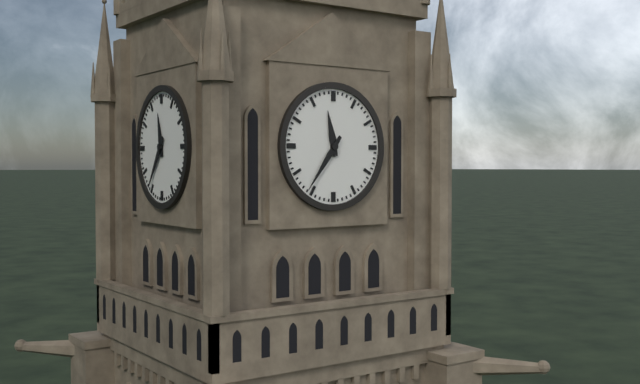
11:36
